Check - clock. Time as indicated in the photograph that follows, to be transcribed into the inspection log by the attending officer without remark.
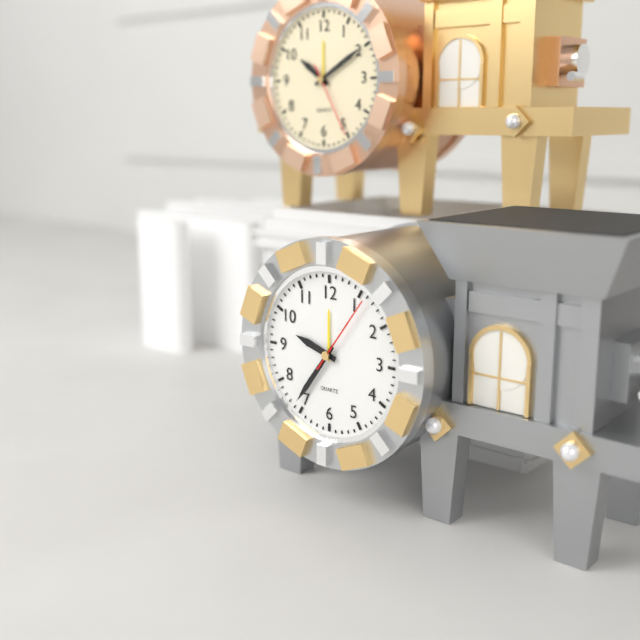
9:36:06
